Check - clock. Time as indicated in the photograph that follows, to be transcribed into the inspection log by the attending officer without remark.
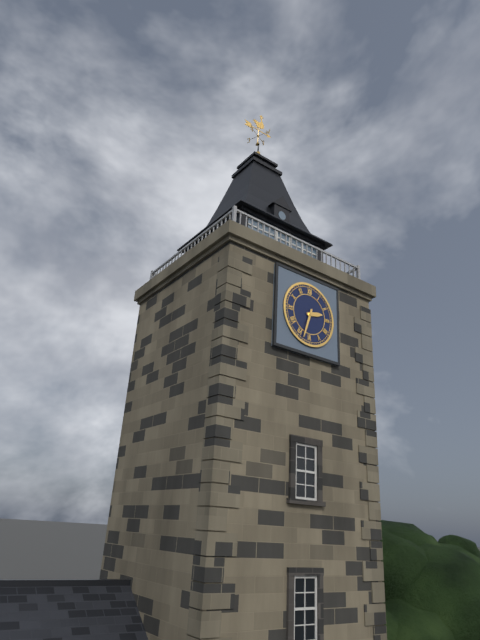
2:33
